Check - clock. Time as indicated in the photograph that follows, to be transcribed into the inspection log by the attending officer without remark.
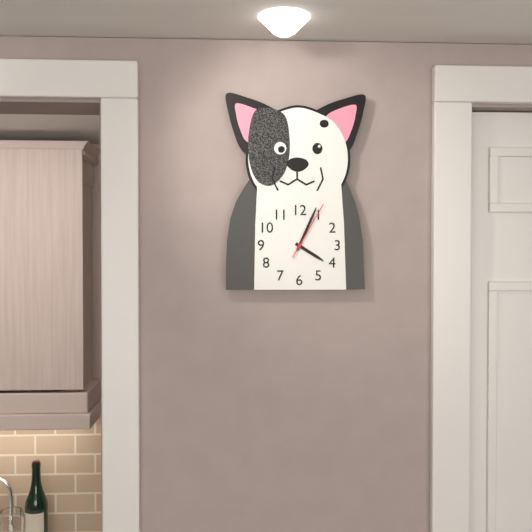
4:04:05
